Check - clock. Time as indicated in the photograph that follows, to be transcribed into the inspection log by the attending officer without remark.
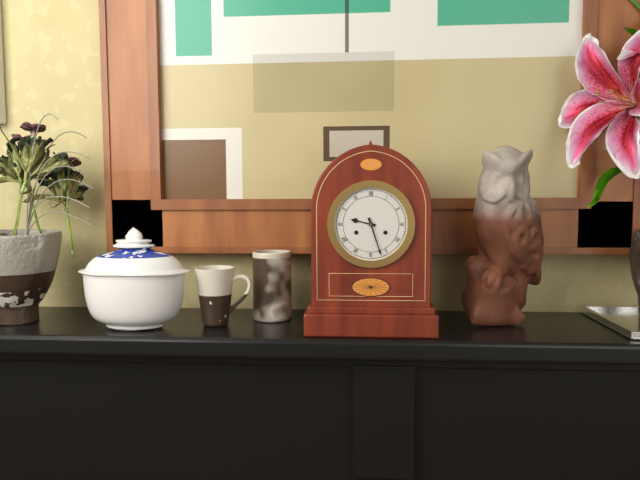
9:27
